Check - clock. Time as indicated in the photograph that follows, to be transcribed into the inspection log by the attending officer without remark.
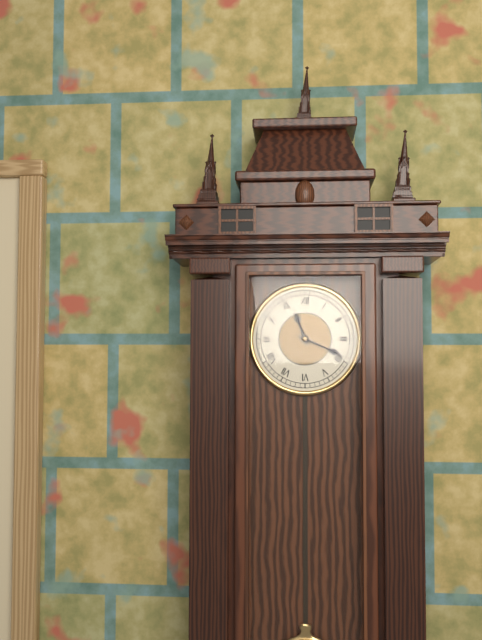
11:19
